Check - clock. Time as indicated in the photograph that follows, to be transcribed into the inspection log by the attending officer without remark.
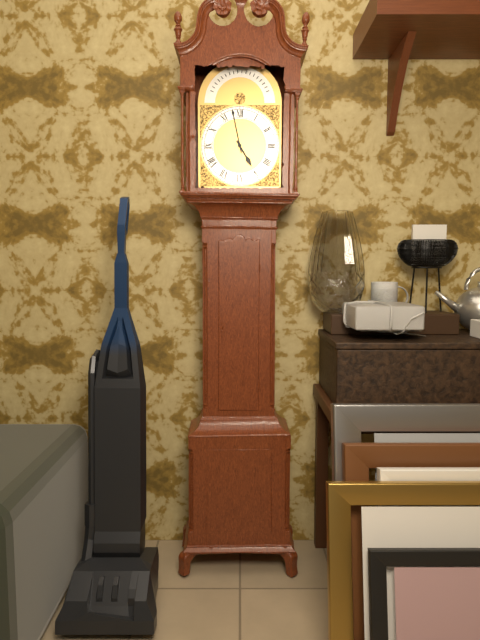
4:58
